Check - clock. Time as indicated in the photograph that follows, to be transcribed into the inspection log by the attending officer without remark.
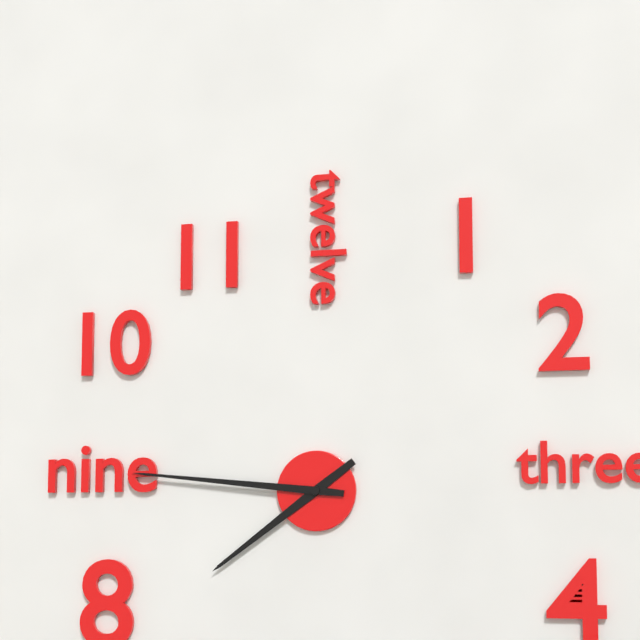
7:46
